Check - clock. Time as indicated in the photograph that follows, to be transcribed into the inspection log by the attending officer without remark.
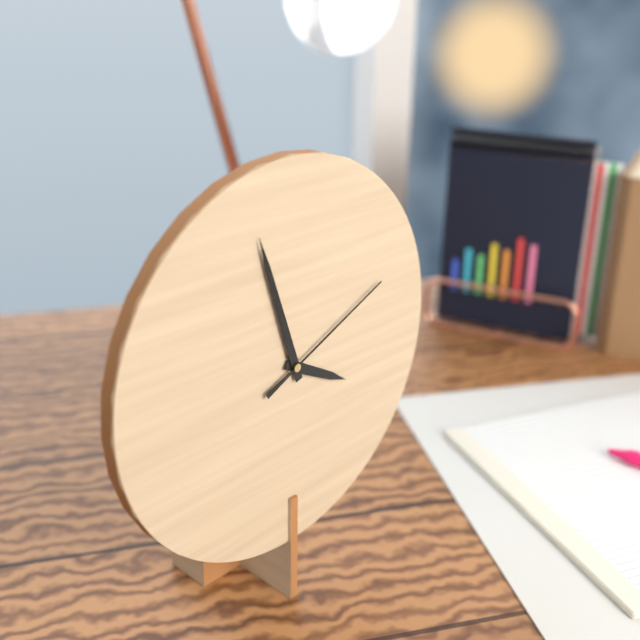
3:57:11
